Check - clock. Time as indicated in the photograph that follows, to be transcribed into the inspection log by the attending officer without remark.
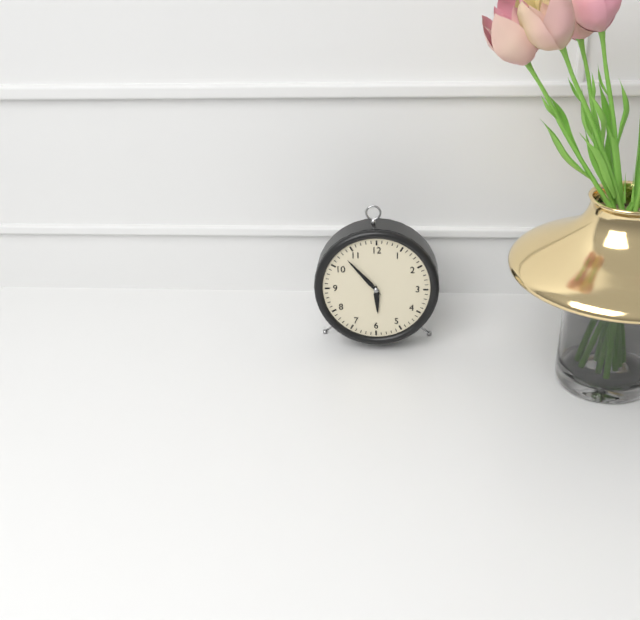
5:53
